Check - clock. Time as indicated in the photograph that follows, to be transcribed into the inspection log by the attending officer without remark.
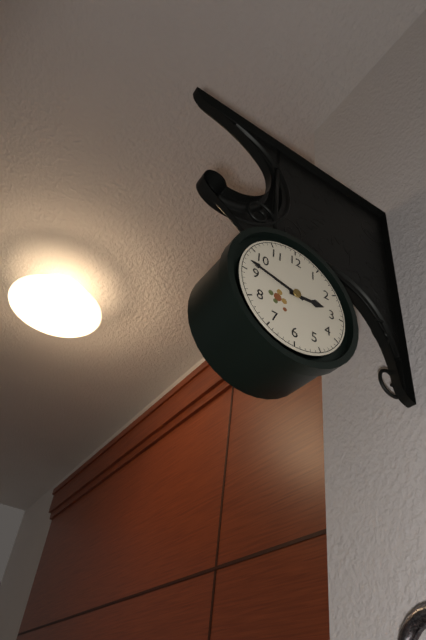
2:47
